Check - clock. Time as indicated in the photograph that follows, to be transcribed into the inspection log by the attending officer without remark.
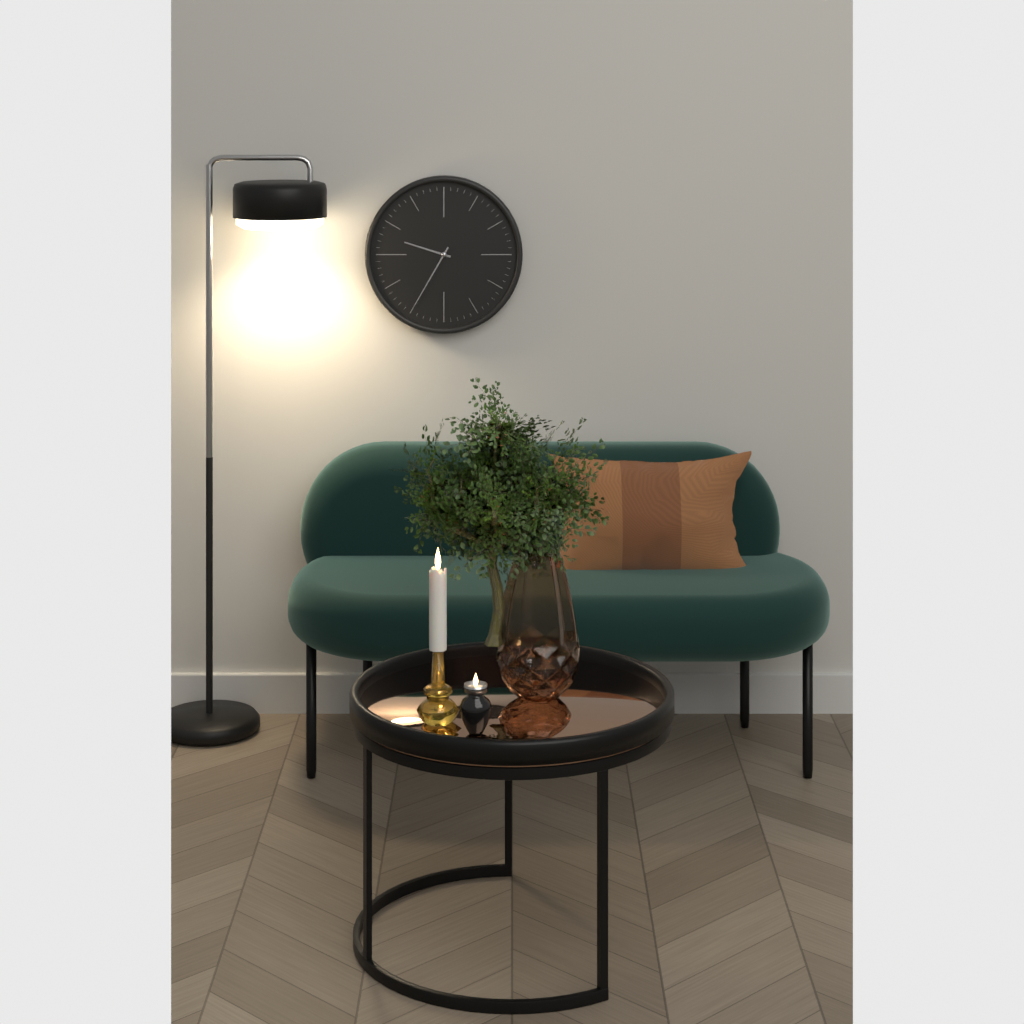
9:35
